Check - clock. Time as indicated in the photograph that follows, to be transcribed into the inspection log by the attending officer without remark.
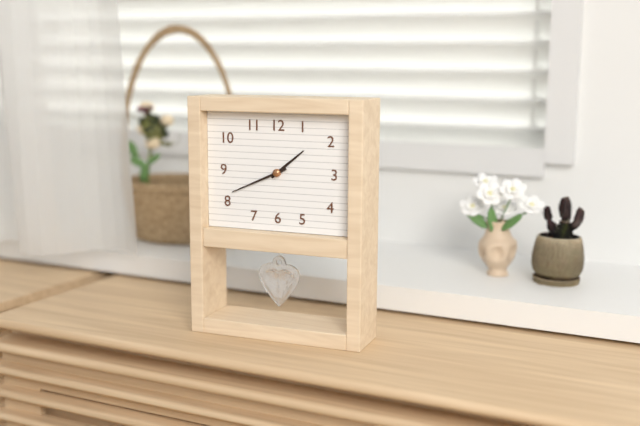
1:41
